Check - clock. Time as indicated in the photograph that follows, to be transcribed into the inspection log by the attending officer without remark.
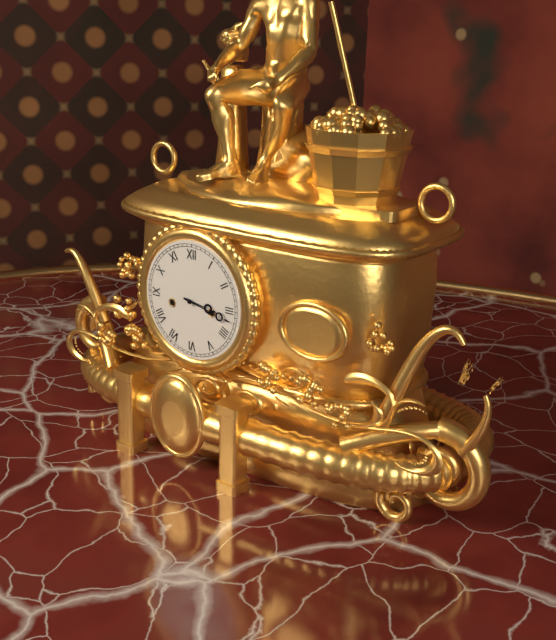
3:17
